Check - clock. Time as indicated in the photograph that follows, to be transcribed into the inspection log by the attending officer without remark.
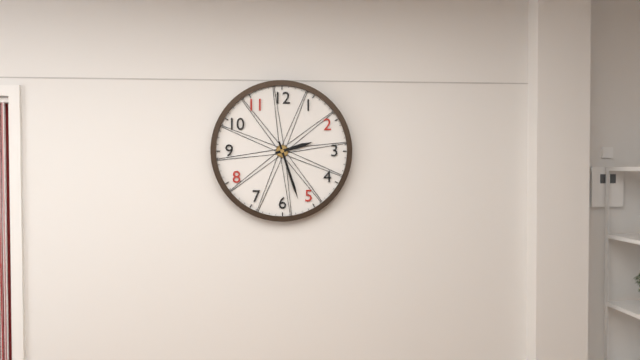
2:27
